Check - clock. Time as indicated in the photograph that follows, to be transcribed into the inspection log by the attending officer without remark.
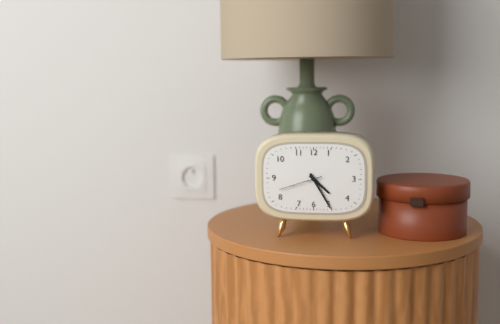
4:25
